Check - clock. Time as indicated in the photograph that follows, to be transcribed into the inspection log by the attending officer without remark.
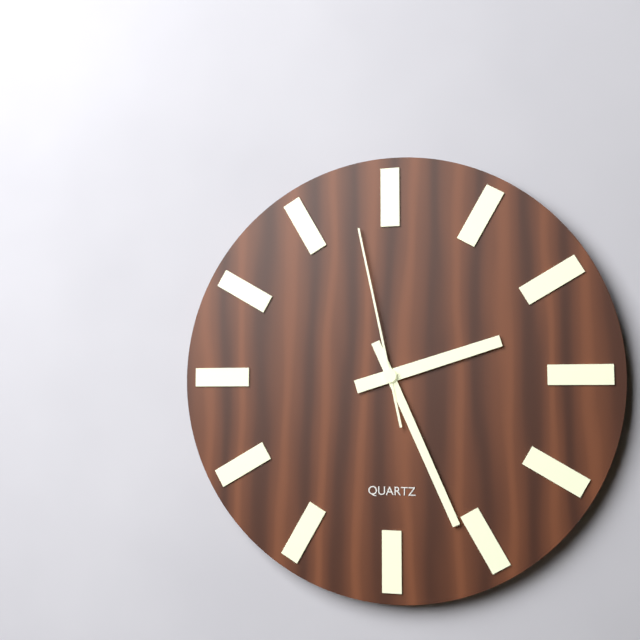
2:26:58
